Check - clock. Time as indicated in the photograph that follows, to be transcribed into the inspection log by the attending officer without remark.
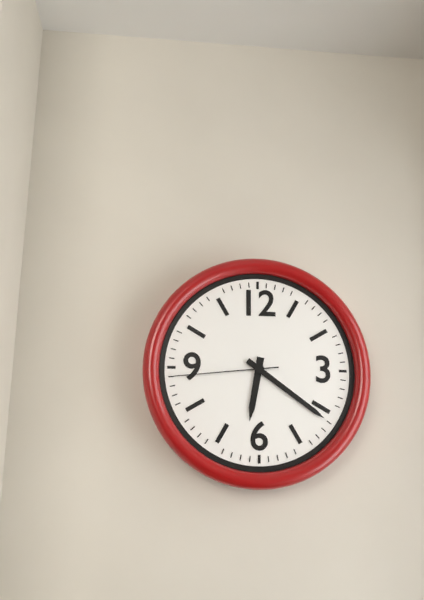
6:21:44
